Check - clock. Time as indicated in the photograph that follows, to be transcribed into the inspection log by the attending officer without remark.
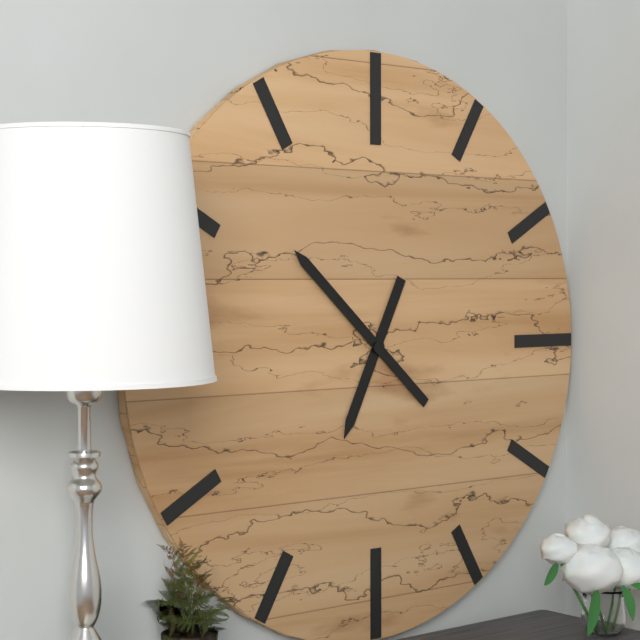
6:52
